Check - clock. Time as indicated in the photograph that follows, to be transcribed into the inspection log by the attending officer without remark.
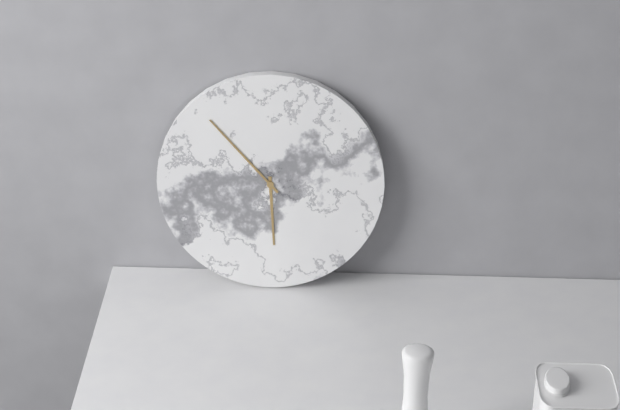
5:53
